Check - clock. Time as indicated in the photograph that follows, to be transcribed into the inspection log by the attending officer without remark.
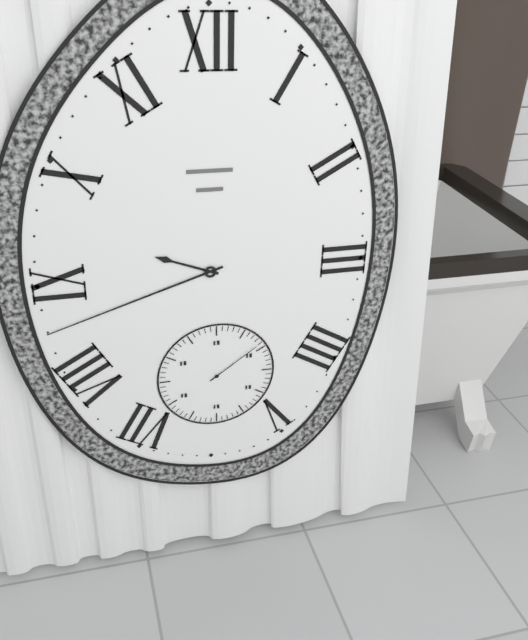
9:42:09
